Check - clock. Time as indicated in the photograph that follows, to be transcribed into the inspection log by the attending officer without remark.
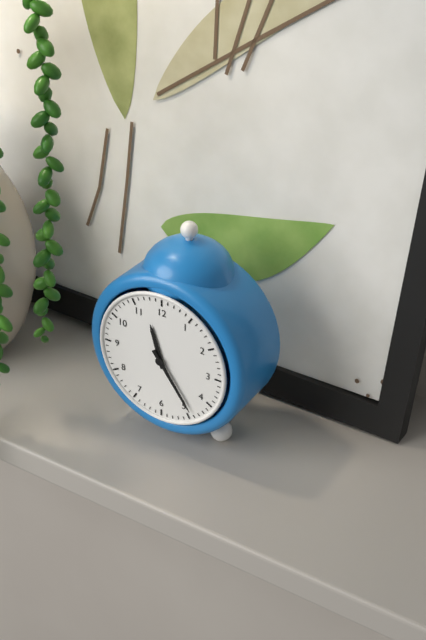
11:24
